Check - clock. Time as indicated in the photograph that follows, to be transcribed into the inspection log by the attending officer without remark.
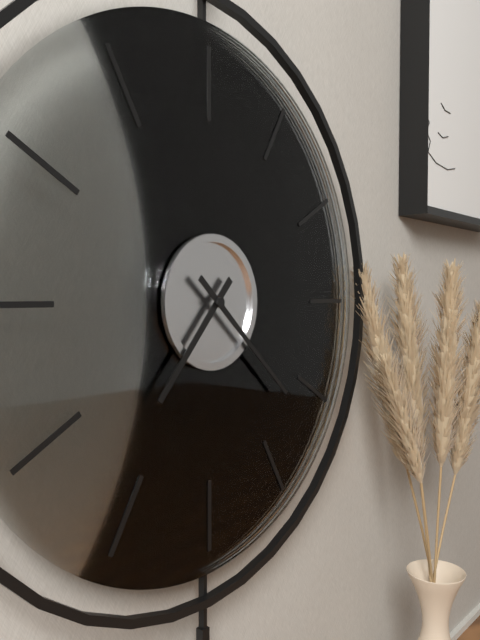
7:22
